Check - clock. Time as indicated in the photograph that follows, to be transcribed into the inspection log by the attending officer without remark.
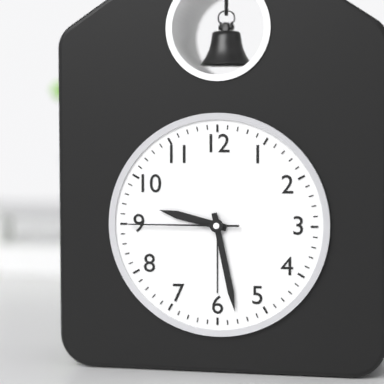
9:28:45
